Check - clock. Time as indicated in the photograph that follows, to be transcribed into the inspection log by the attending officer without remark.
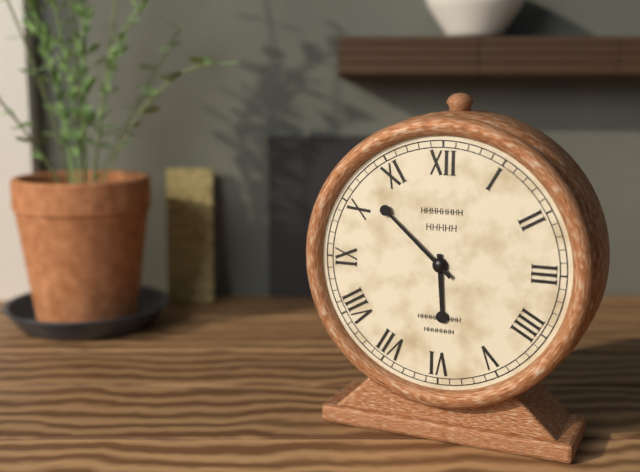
5:52
